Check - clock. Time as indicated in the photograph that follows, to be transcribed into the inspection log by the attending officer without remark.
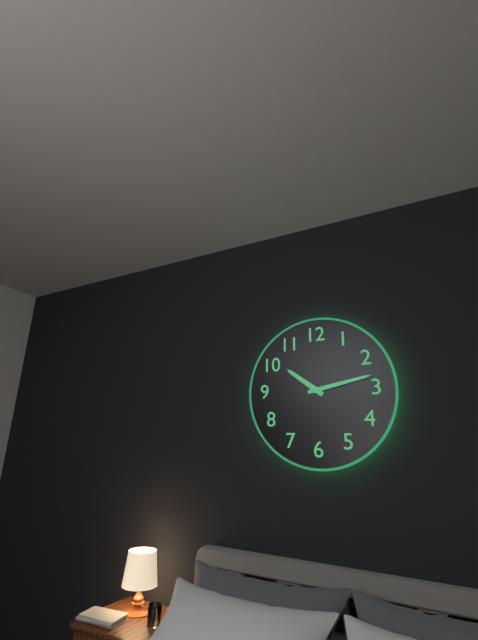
10:13
